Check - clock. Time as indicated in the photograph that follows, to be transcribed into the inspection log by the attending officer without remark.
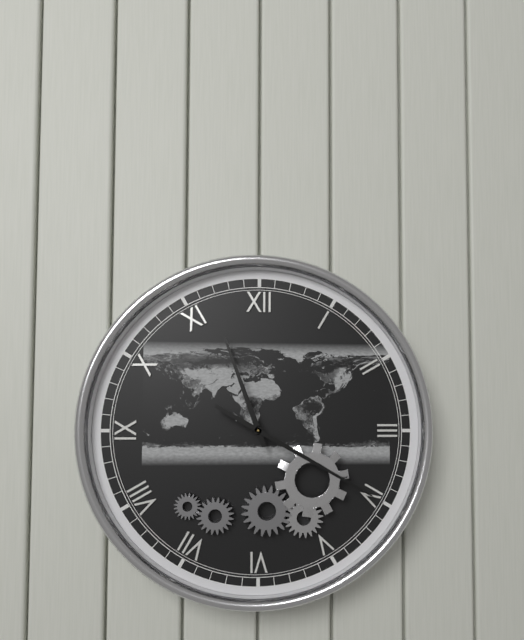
11:20
